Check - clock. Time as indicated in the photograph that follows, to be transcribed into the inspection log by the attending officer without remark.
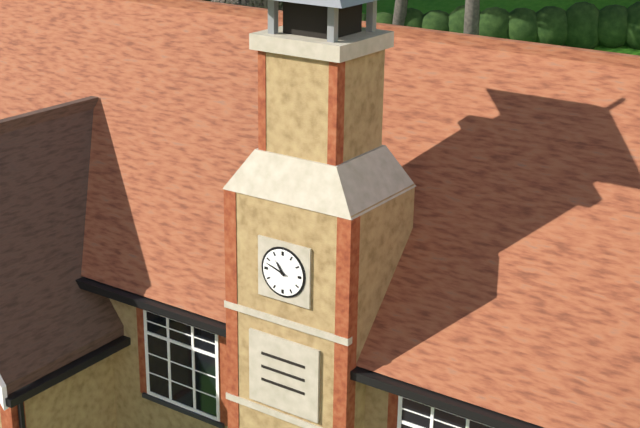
10:48
